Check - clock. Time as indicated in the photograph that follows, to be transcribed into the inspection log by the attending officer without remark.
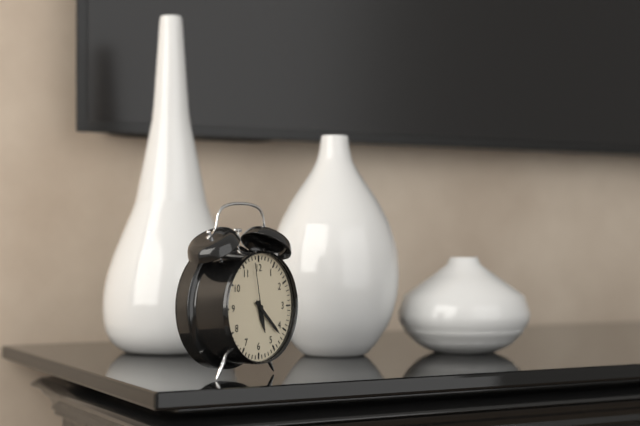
5:22:58
